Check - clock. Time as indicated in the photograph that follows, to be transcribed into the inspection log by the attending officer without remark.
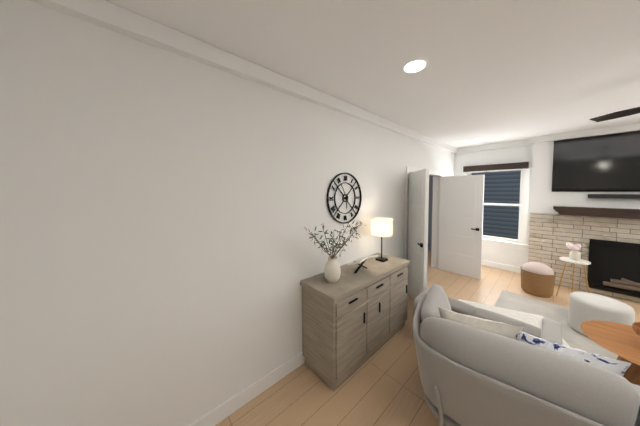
5:55
